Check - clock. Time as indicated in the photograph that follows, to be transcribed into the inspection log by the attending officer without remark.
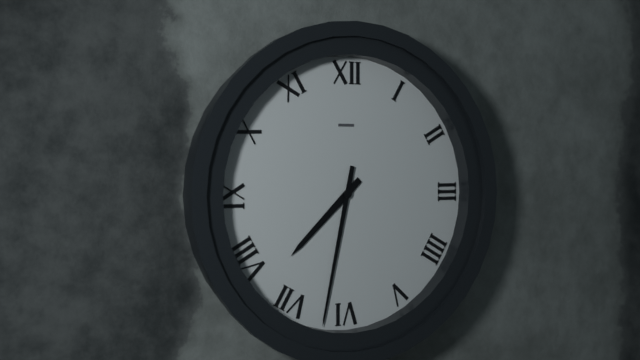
7:32
